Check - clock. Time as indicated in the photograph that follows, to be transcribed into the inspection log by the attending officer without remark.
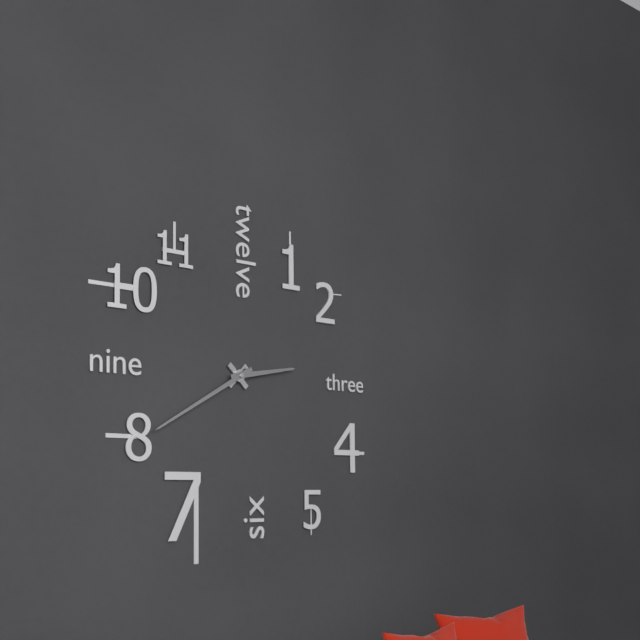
2:40
